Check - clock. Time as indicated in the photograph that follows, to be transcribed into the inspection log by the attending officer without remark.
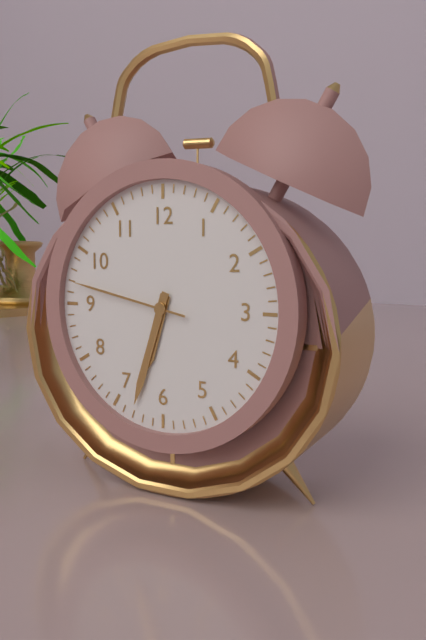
6:33:47
